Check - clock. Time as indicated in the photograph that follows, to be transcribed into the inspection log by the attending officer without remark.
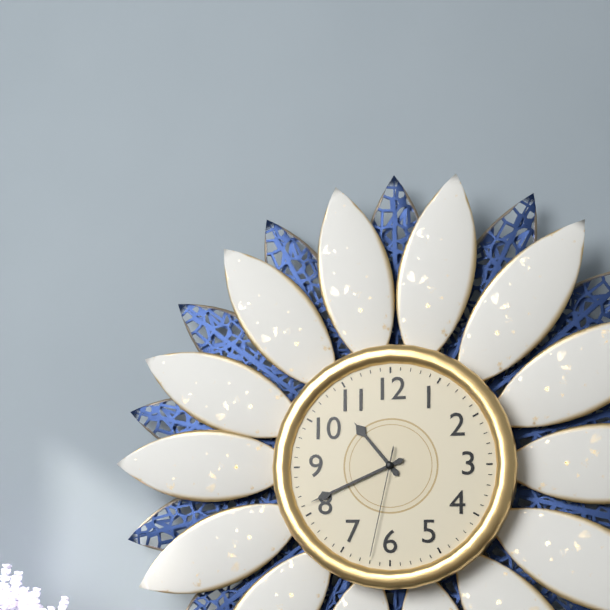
10:41:32
